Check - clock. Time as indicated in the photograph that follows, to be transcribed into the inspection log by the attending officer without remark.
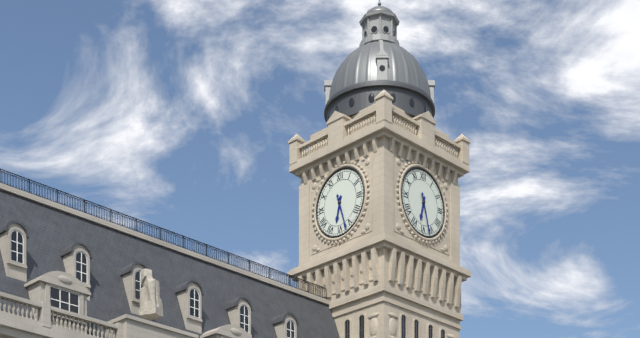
6:27
